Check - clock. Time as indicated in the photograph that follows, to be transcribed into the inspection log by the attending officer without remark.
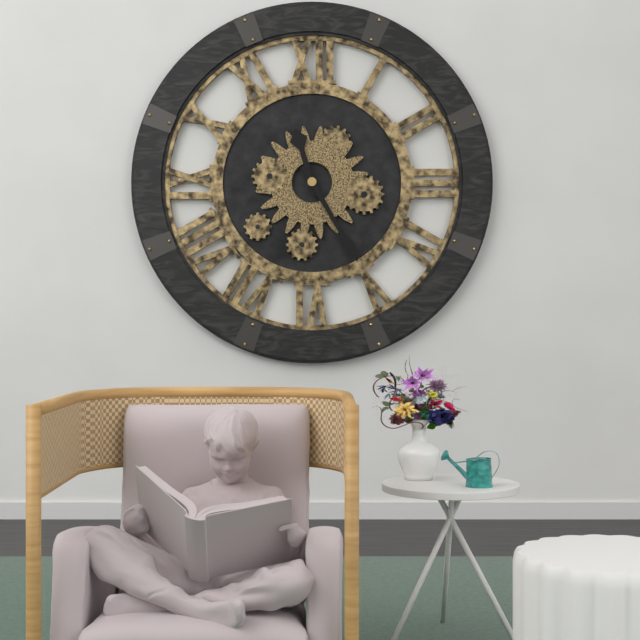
11:25
